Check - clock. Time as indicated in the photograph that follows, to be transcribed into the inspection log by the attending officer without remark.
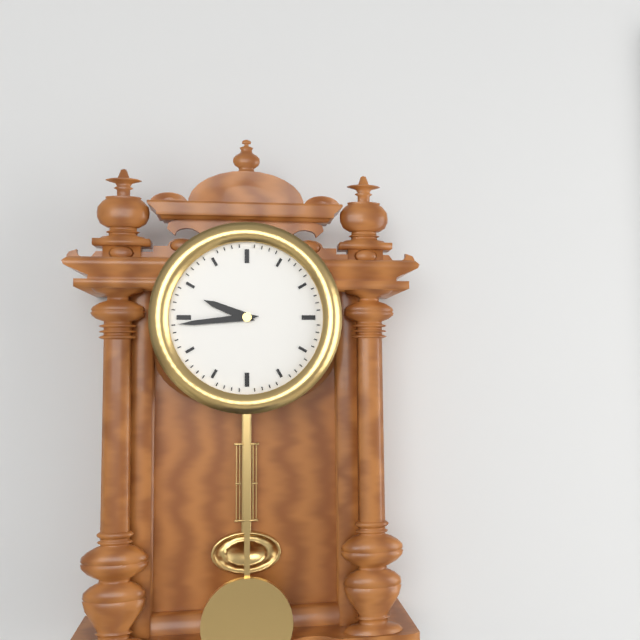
9:44
